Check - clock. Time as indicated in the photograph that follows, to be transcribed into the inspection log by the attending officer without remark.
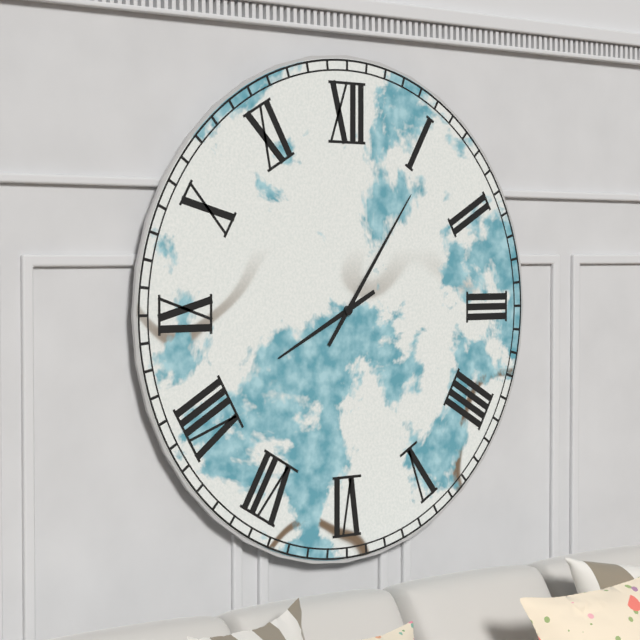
8:06
